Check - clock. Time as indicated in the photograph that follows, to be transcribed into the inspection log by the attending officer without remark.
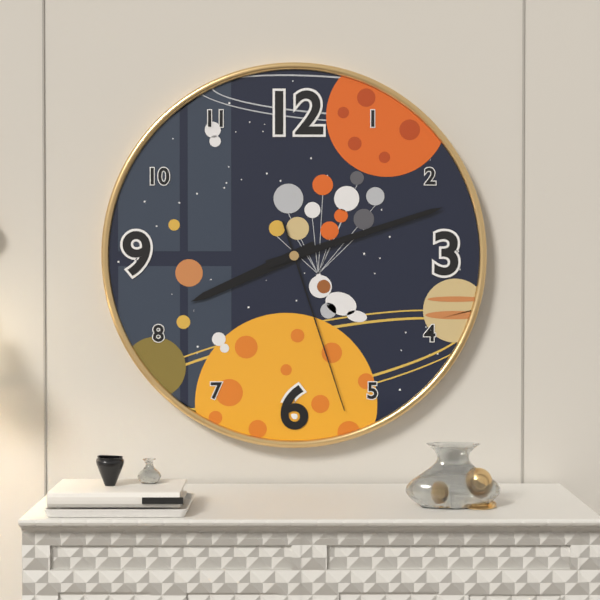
8:12:27
